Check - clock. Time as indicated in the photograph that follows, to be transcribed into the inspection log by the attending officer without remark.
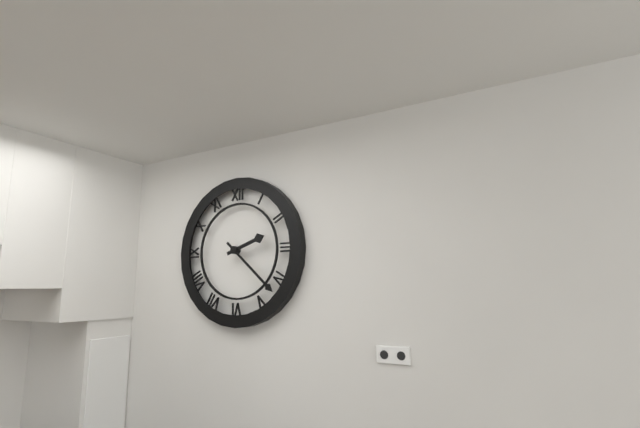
2:22
